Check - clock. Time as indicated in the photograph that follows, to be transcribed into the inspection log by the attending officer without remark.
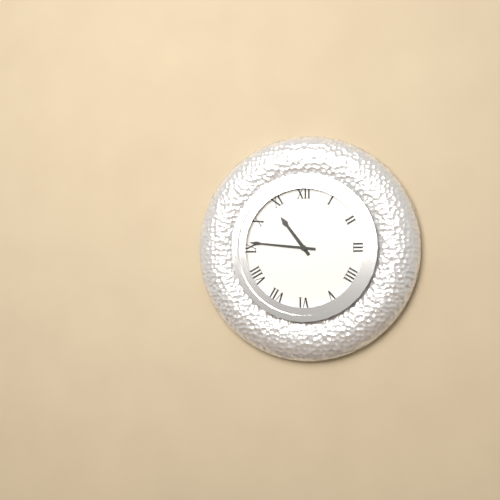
10:46
